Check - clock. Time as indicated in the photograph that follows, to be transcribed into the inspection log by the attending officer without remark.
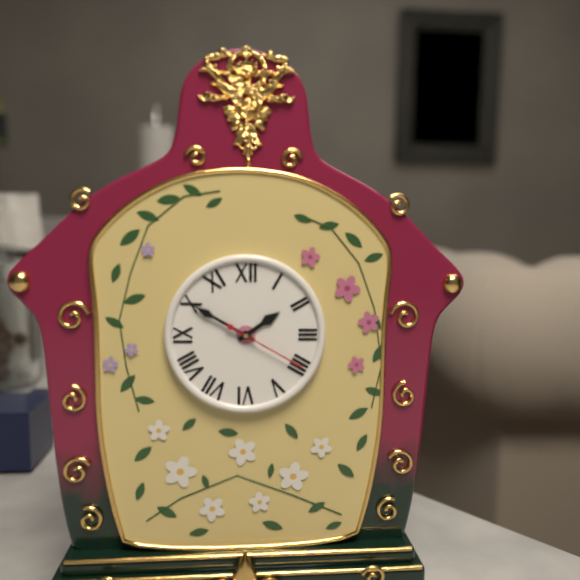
1:50:20
